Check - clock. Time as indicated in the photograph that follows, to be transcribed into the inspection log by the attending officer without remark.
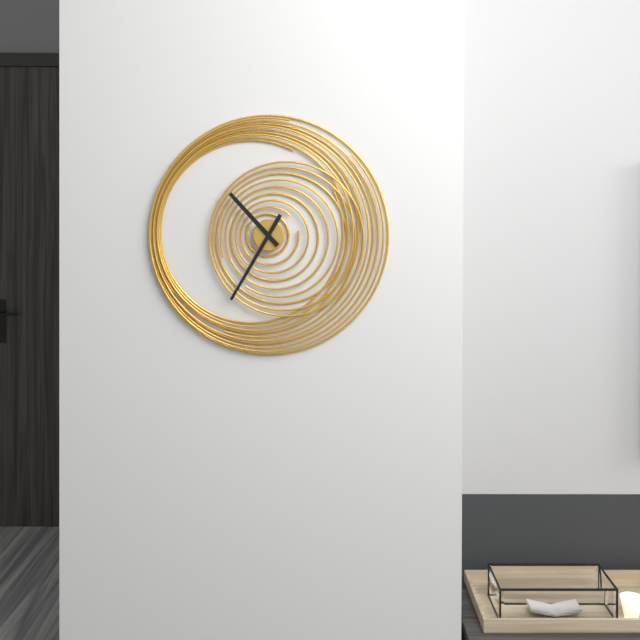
10:35
